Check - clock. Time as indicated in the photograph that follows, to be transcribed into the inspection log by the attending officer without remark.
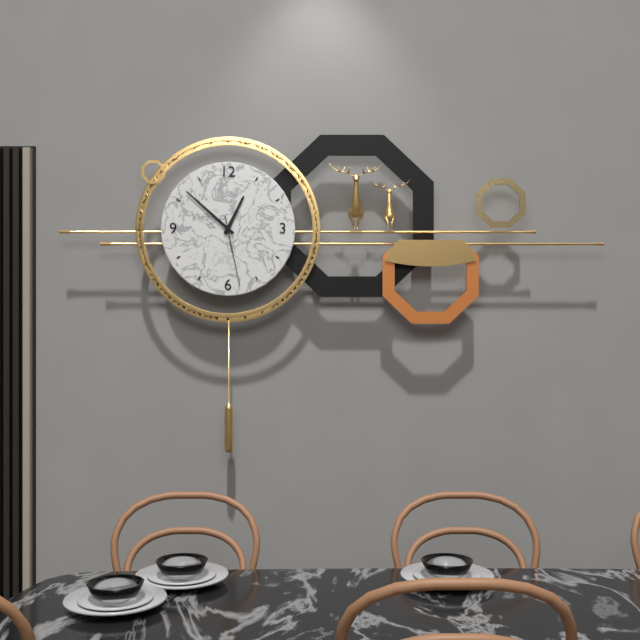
12:52:28
